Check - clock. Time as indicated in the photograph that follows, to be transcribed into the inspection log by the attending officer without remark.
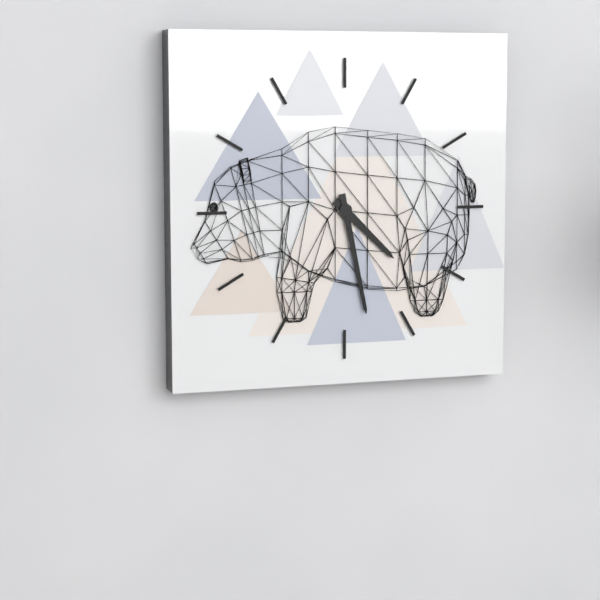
4:28
